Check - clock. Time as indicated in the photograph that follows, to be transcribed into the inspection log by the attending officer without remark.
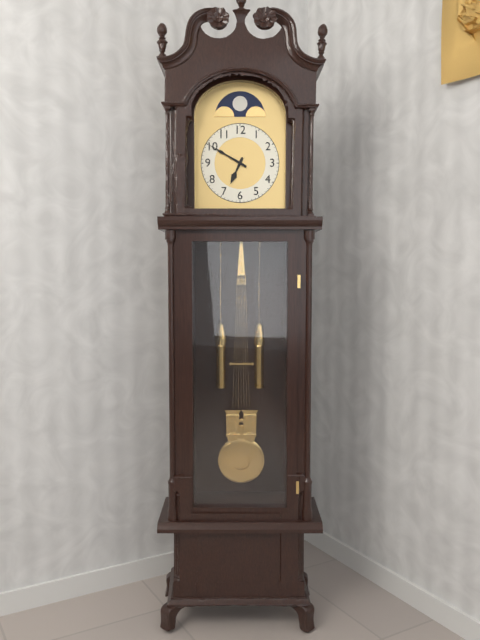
6:50
